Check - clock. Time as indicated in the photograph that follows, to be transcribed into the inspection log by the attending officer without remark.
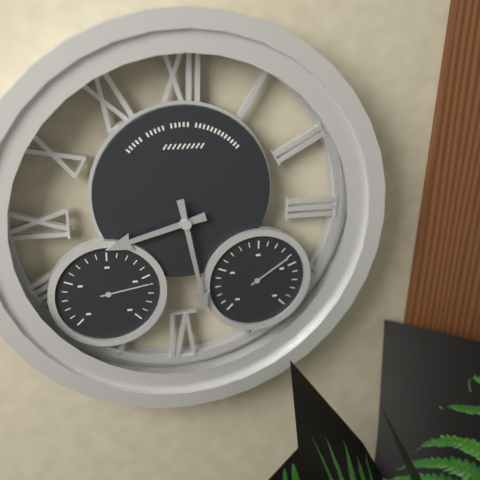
8:28
